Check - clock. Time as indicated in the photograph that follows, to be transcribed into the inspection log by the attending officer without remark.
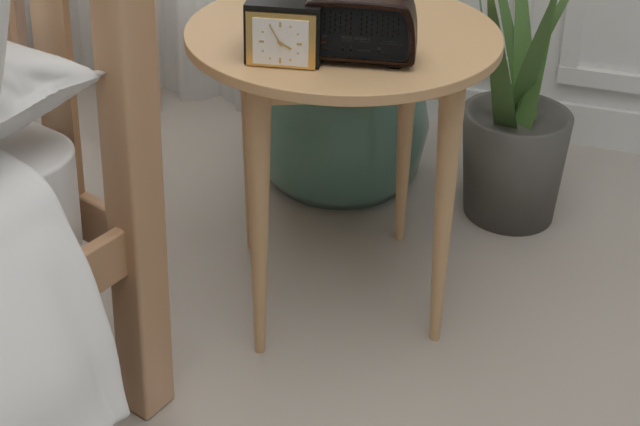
3:55
